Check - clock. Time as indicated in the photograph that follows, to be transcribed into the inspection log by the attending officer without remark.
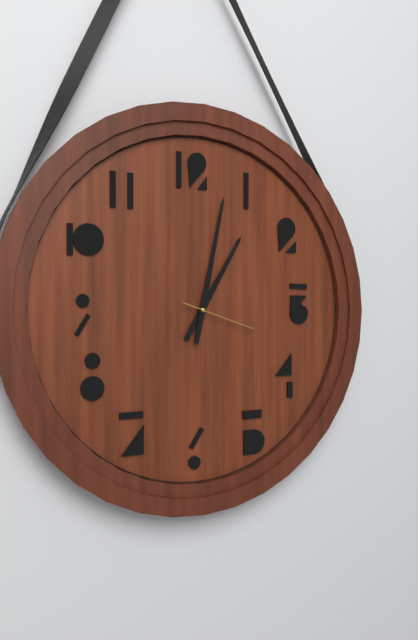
1:02:18
